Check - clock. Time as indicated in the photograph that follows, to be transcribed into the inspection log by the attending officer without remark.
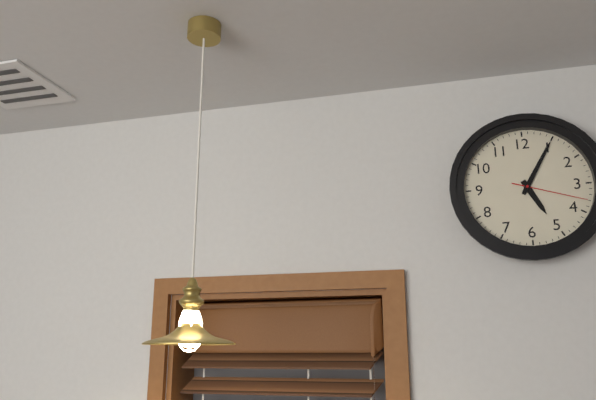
5:05:18
